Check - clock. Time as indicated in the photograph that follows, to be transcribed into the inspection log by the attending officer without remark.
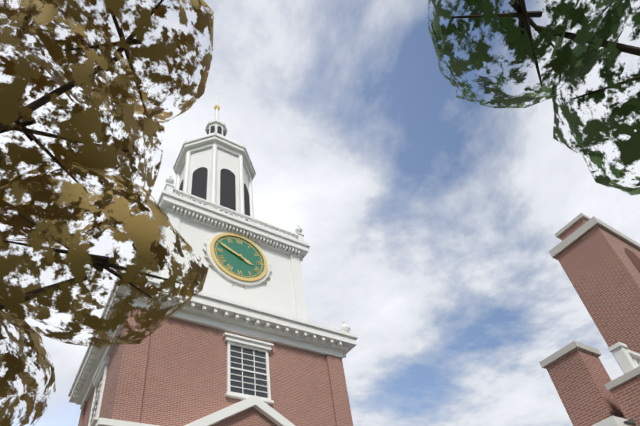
3:49
